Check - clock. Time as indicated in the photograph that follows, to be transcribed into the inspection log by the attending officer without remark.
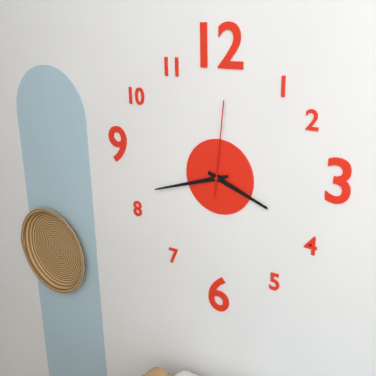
3:42:01
